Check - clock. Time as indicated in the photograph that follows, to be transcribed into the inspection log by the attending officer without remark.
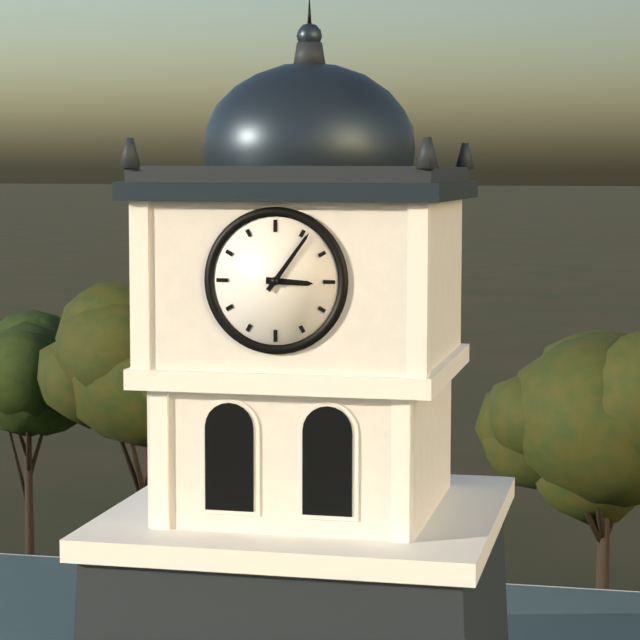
3:06
